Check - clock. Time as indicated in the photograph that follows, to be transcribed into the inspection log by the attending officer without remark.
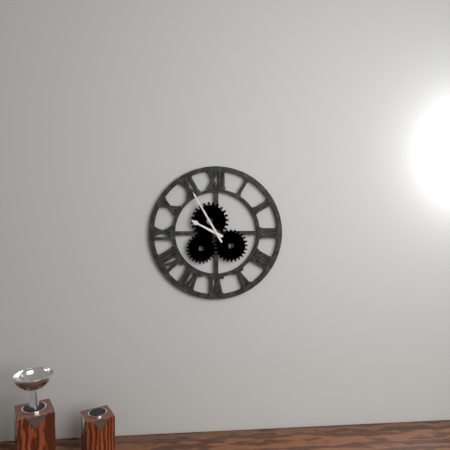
9:55
